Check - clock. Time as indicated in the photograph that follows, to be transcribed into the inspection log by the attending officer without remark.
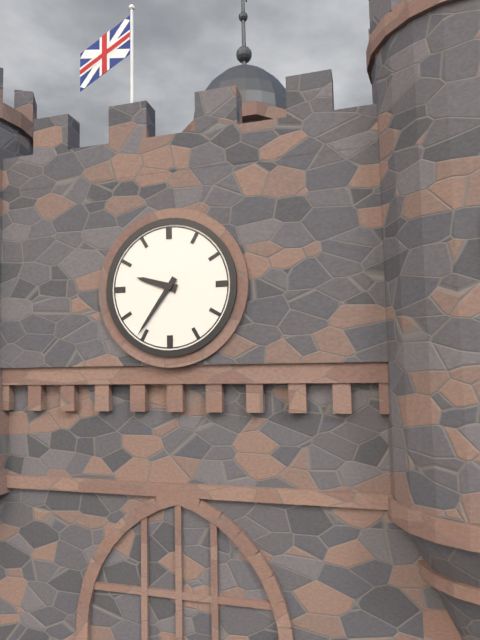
9:36
